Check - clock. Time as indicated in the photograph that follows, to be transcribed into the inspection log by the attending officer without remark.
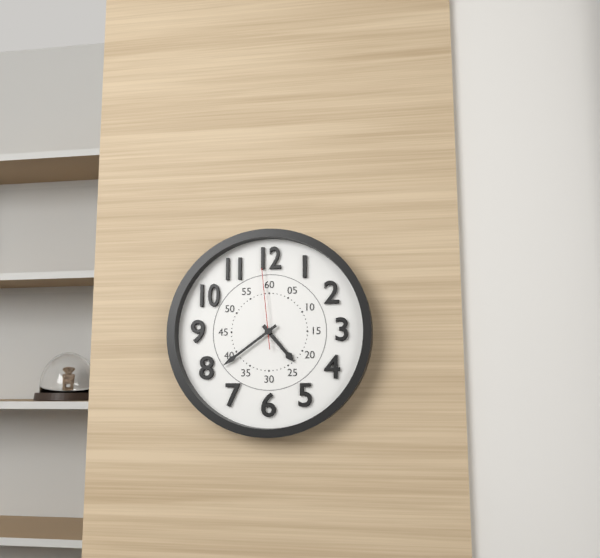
4:39:59
